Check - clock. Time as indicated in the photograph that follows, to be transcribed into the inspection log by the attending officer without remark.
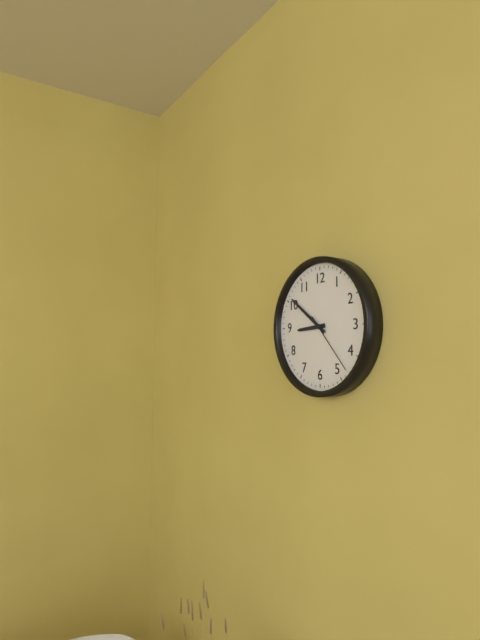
8:51:23
